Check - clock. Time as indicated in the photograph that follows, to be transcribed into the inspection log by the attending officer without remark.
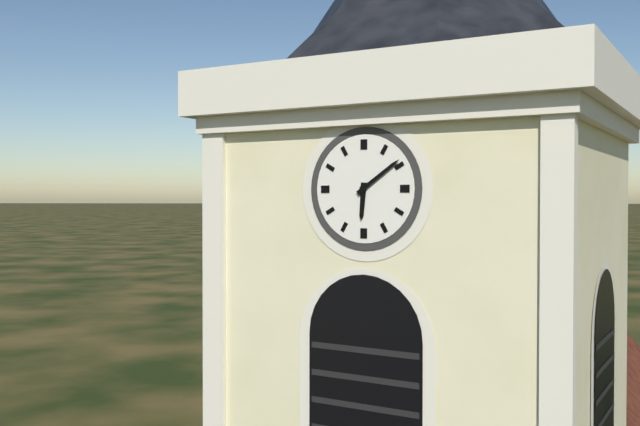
6:09
